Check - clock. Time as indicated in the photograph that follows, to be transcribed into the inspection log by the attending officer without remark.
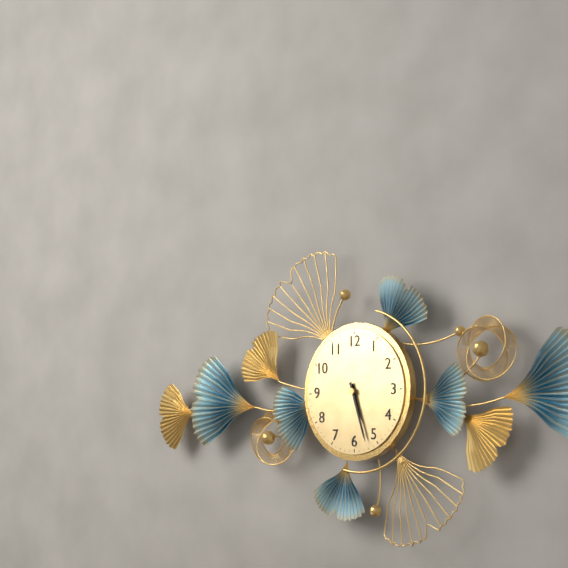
5:27
